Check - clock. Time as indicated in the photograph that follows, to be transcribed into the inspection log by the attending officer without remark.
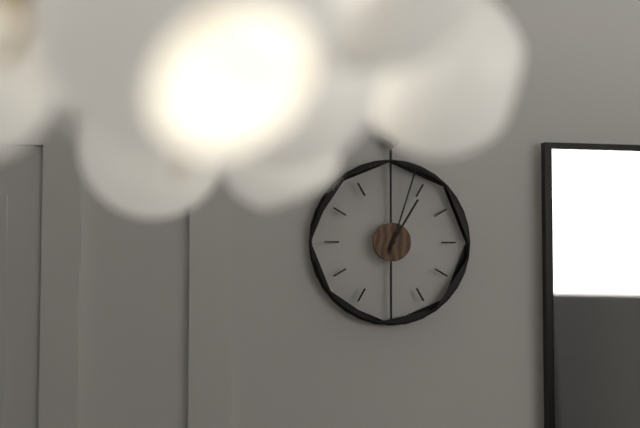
1:03
